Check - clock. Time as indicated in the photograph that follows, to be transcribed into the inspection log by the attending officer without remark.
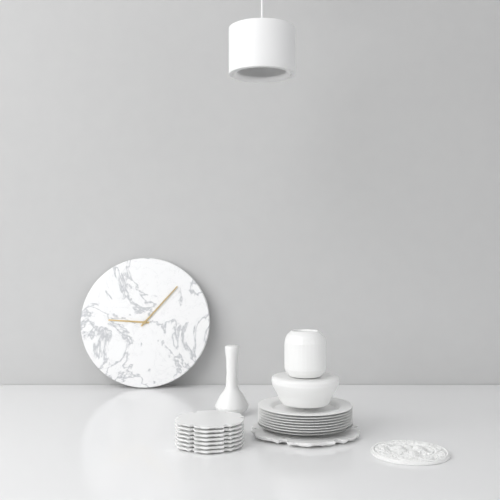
9:07
